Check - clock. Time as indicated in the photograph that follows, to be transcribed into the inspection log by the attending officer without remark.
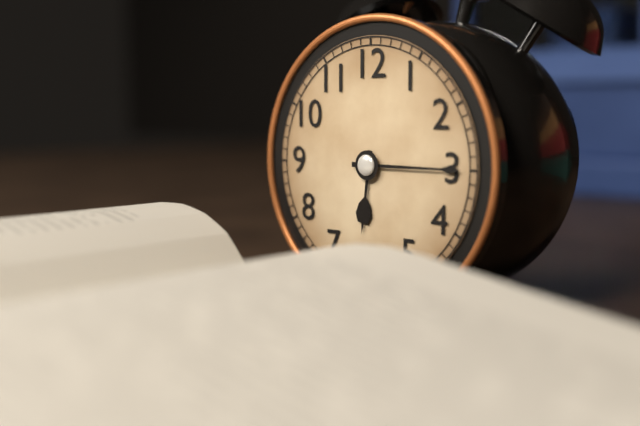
6:15
